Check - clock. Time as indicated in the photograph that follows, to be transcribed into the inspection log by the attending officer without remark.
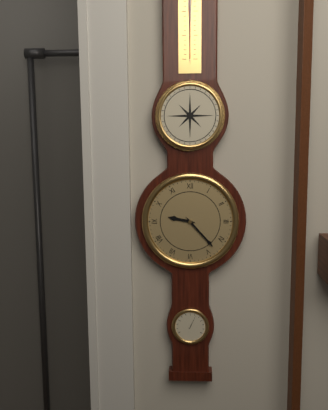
9:23
